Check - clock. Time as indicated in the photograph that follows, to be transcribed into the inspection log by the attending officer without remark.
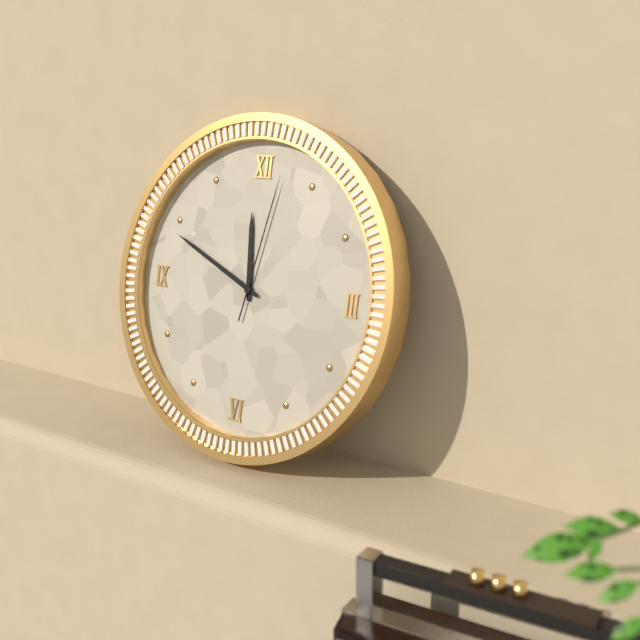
11:49:02
